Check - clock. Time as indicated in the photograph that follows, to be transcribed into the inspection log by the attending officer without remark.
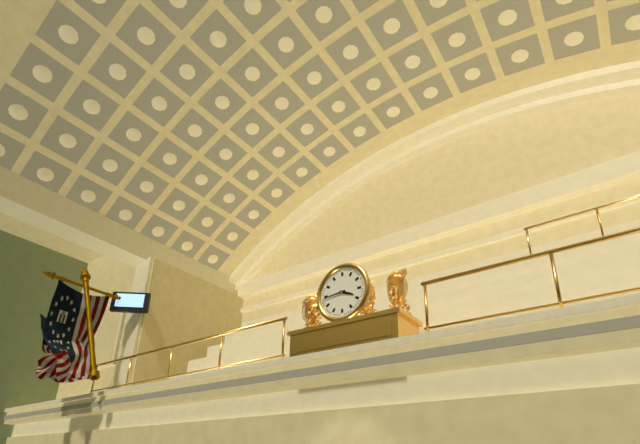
3:44
